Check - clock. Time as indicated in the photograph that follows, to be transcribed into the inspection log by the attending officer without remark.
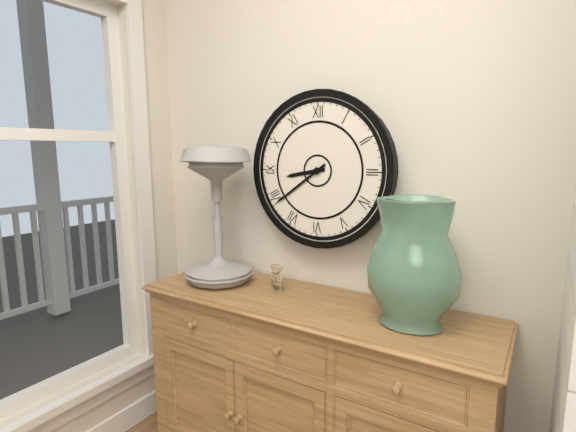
8:39
